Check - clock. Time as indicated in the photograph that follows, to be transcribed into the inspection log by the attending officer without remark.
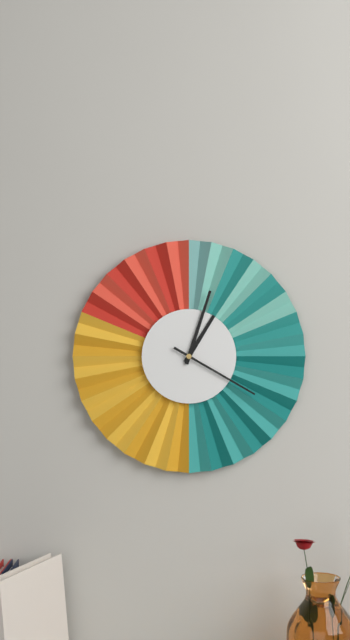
1:03:20
